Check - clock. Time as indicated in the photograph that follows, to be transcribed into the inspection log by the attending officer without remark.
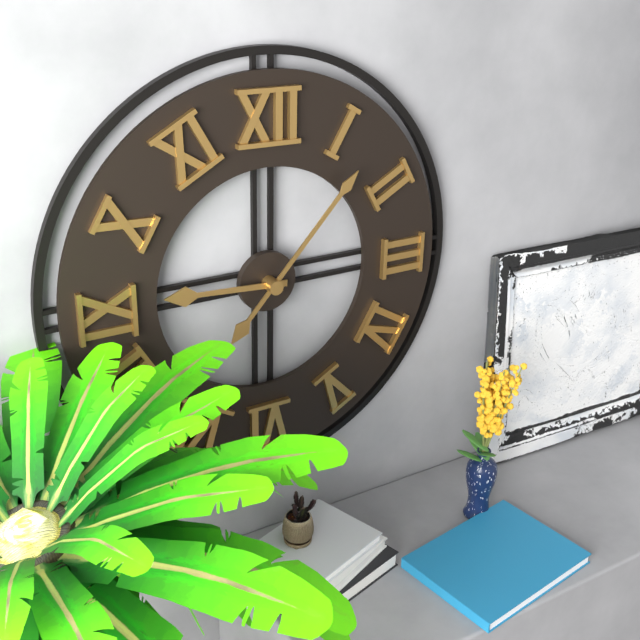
9:07
